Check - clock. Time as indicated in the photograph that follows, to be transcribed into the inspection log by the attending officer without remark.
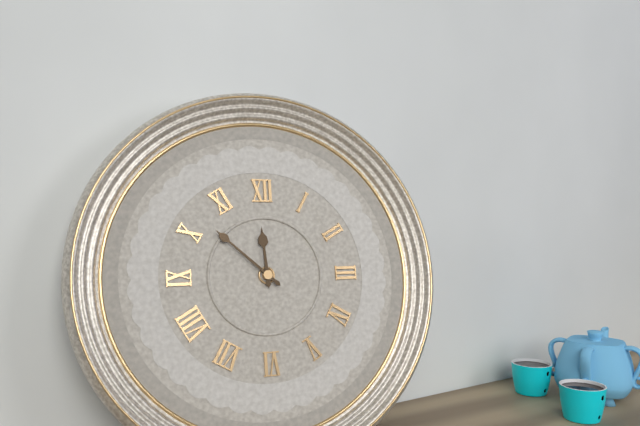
11:52
